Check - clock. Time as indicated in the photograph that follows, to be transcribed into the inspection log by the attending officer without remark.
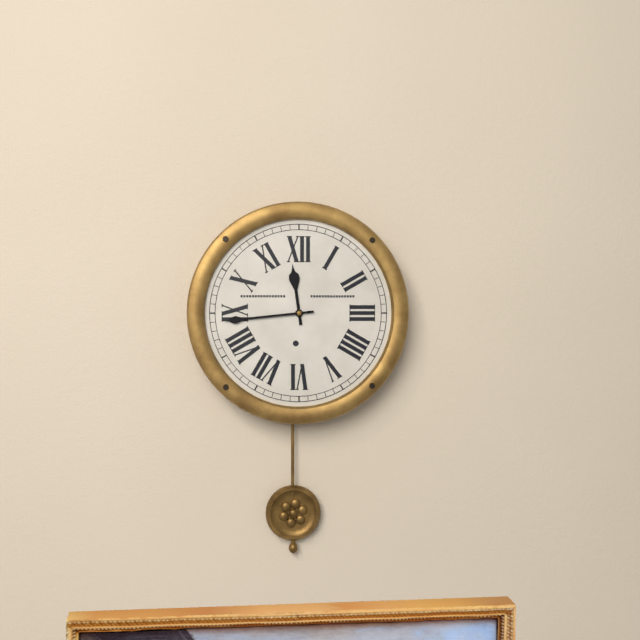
11:44
